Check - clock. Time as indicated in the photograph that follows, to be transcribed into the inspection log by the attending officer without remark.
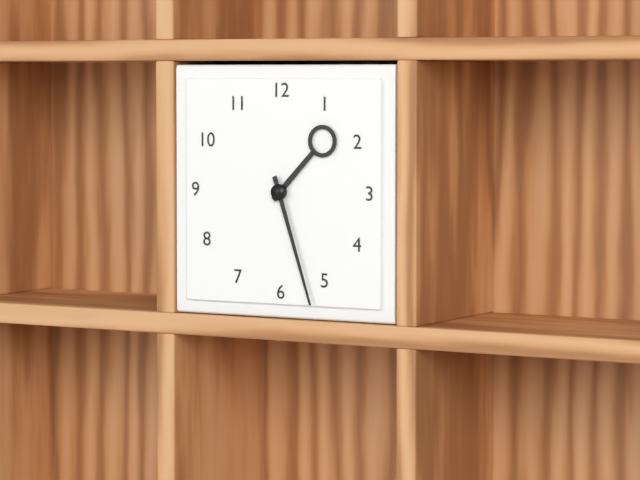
1:27
